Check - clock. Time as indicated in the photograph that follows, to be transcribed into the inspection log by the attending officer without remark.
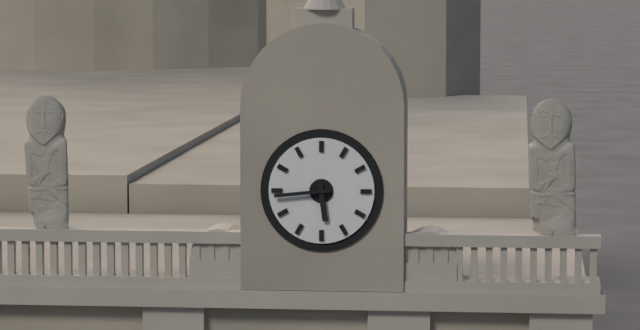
5:44
